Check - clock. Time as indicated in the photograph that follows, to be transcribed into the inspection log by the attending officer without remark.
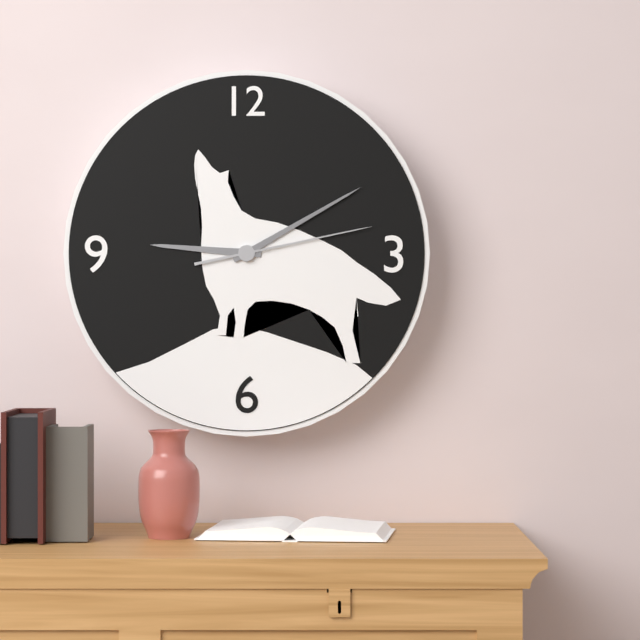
9:10:13
